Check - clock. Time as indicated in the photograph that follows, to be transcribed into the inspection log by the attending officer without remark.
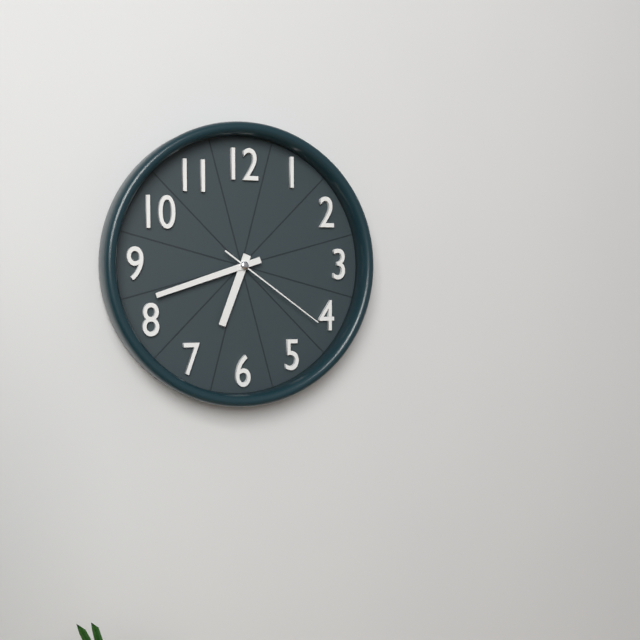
6:42:21
